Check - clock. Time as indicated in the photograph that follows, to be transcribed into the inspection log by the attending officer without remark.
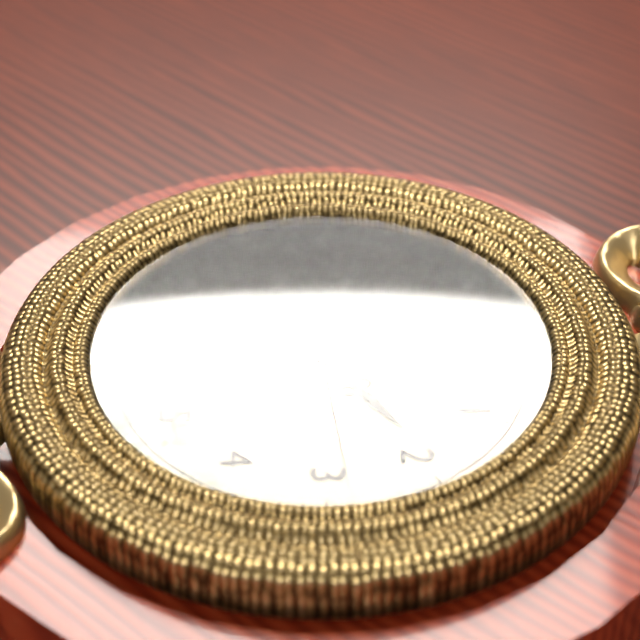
1:51:14
